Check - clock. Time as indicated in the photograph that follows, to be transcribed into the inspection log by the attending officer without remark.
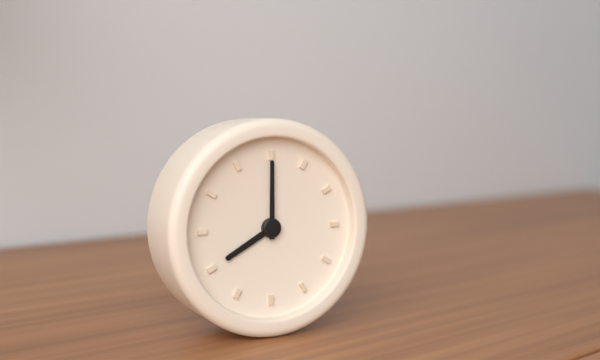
8:00
